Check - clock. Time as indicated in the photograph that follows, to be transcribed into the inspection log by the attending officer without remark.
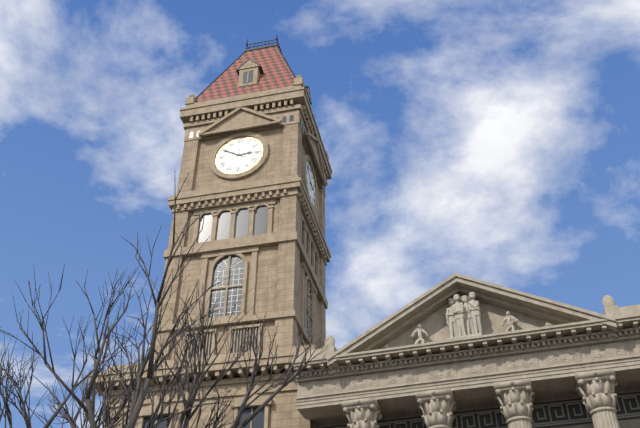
2:50
